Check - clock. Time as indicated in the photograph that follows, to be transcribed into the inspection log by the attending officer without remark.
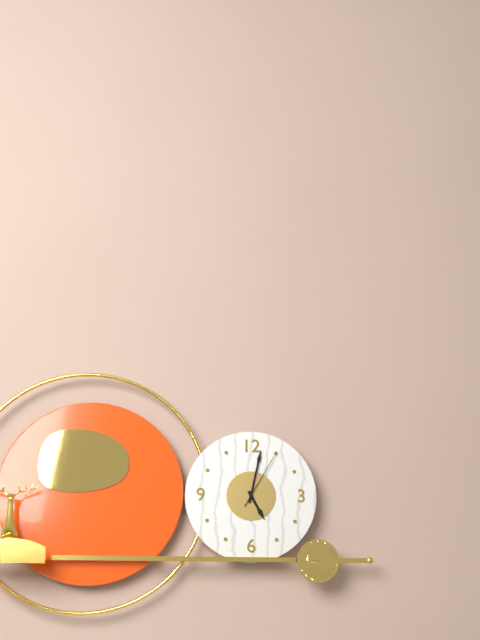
5:02:05
